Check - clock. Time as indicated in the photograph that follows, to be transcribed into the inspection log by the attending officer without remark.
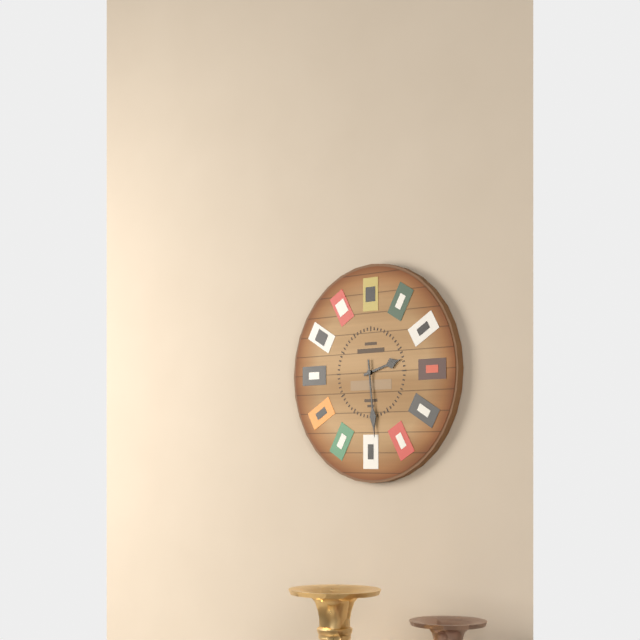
2:29
